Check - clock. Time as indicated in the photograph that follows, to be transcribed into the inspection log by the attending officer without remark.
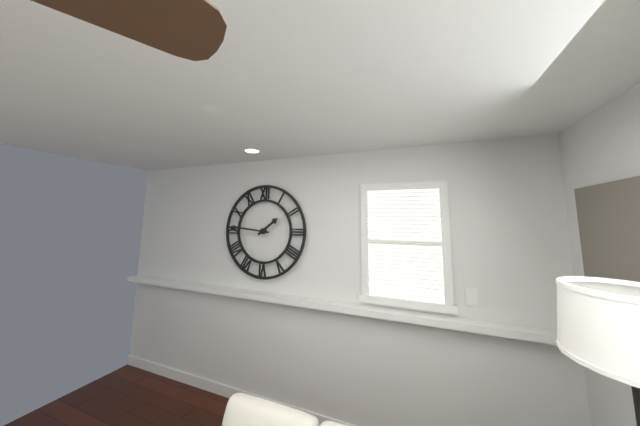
1:46
